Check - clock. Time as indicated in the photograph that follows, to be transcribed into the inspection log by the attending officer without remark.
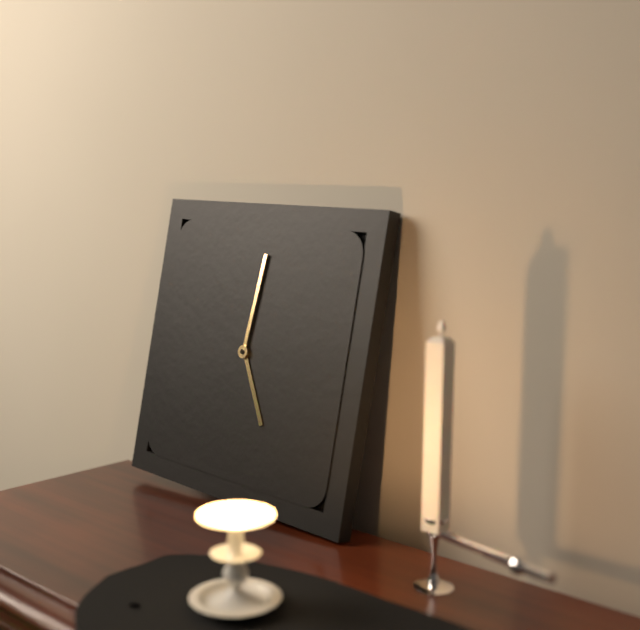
5:01
